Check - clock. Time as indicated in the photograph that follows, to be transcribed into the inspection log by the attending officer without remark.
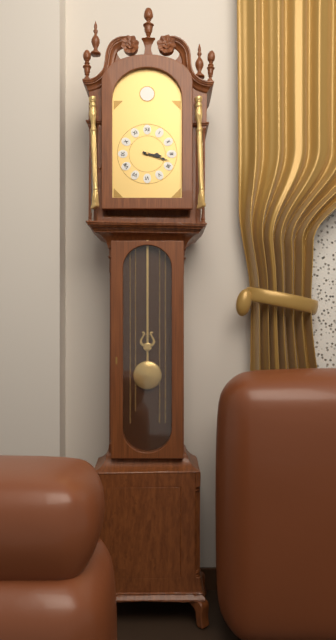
3:18
